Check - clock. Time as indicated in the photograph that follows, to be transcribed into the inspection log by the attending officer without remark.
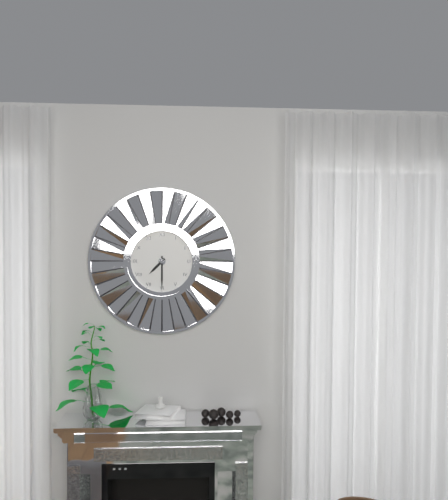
7:30
